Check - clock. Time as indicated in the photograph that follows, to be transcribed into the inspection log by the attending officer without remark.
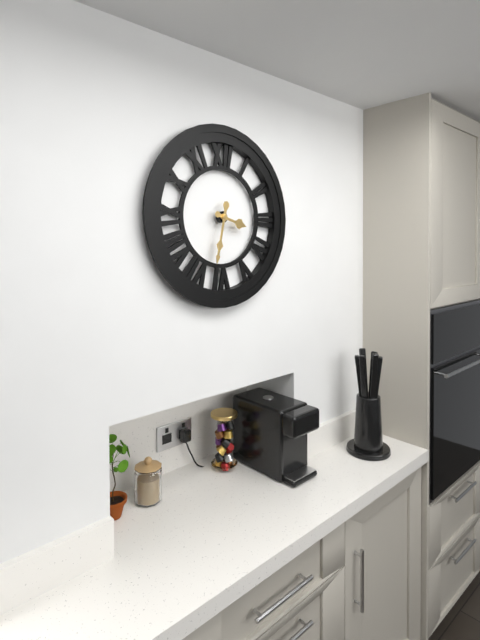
3:32
